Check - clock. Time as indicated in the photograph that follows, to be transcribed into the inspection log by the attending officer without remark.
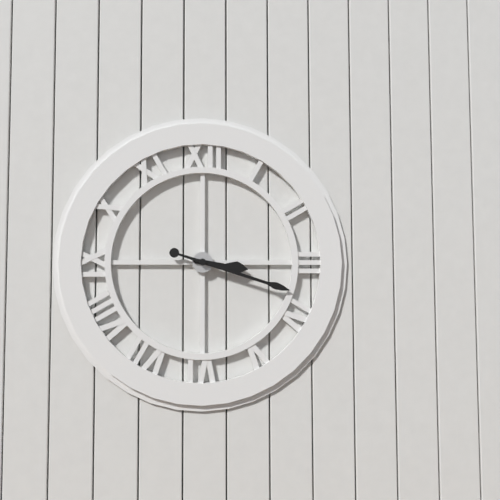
3:18
